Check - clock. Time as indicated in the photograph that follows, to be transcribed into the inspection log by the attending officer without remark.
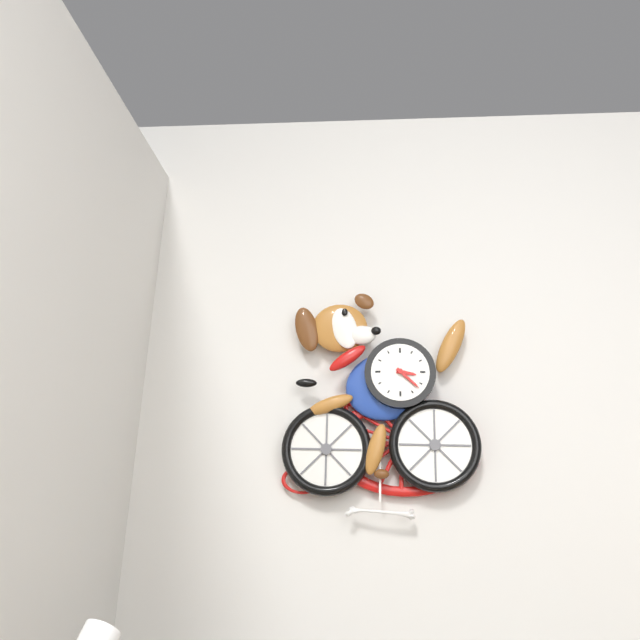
3:22
